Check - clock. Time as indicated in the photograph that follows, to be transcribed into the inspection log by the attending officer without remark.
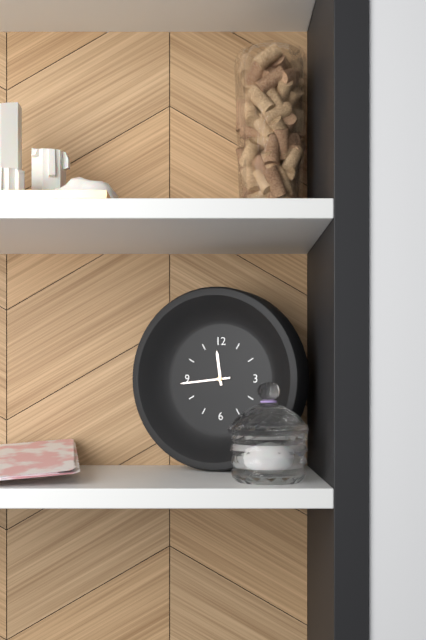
11:44
